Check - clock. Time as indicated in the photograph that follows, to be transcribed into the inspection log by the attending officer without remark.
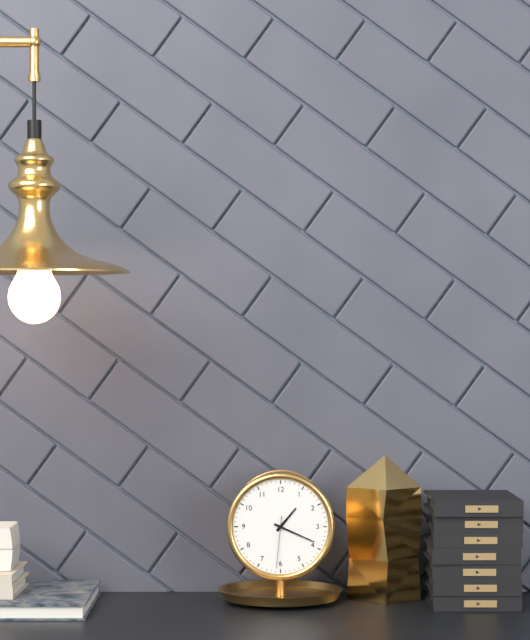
1:19:31
